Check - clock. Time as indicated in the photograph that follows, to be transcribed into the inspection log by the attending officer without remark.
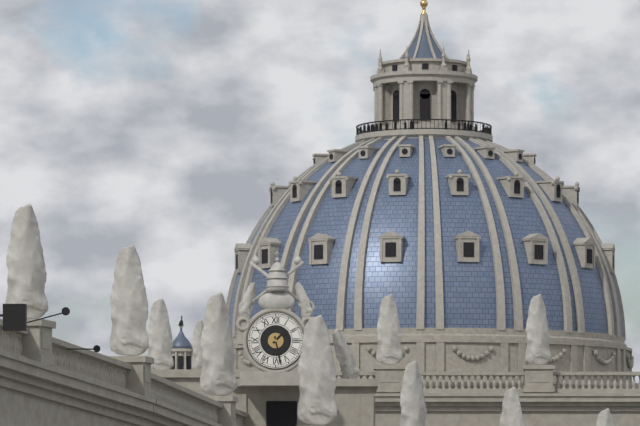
1:28
